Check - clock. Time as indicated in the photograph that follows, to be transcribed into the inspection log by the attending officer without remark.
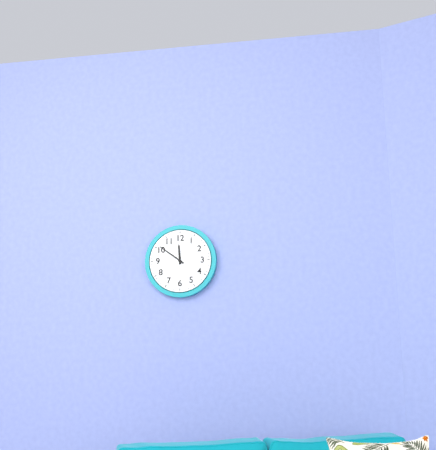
11:51
